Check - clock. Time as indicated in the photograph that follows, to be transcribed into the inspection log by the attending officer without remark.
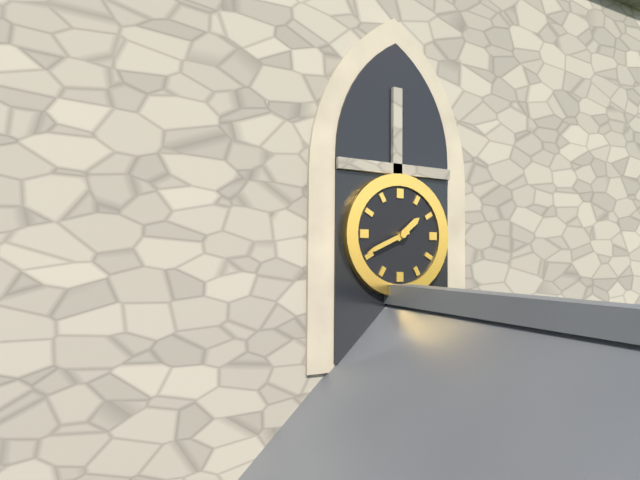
1:41
